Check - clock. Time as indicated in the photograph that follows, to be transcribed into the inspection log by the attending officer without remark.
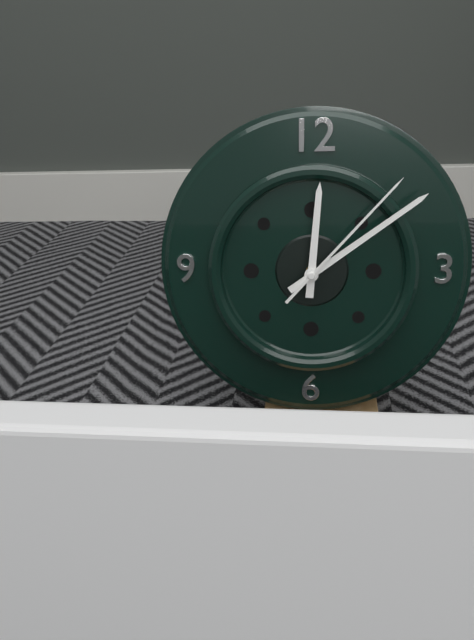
12:09:07
